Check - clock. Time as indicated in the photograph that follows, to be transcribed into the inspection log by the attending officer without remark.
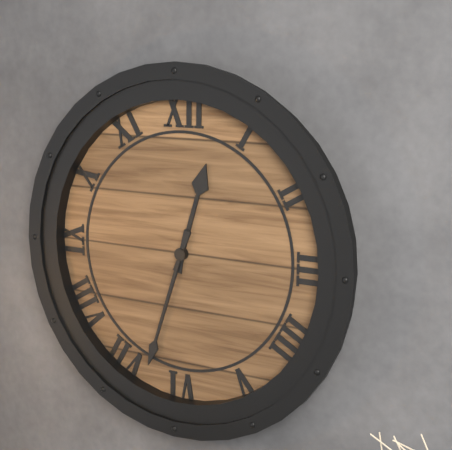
12:33
